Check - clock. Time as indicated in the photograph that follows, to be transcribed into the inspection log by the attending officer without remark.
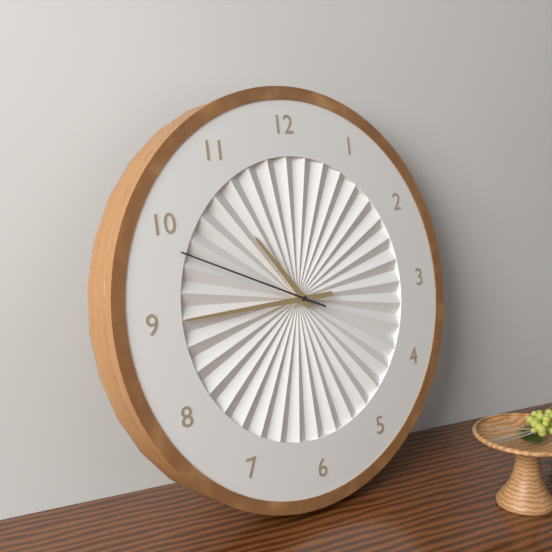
10:45:49
